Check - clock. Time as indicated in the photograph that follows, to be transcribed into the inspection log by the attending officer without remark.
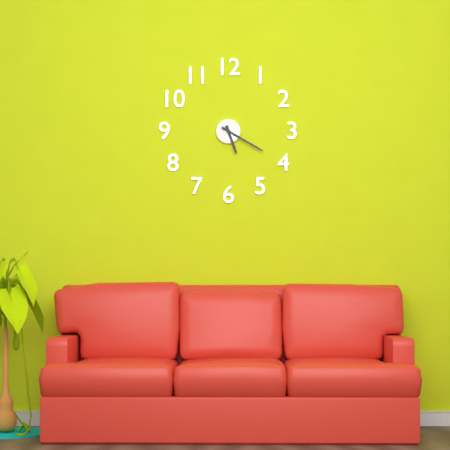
5:20
